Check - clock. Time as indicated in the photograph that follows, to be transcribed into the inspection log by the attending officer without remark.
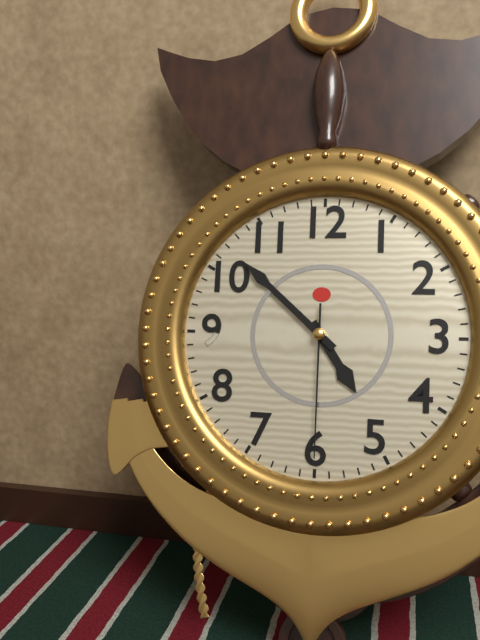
4:52:30
